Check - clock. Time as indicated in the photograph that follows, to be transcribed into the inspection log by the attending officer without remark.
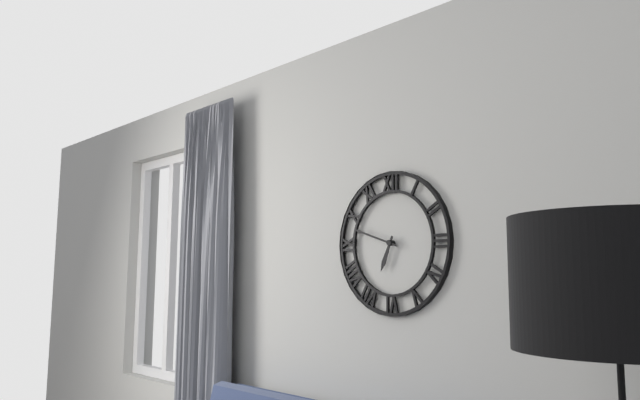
6:48
